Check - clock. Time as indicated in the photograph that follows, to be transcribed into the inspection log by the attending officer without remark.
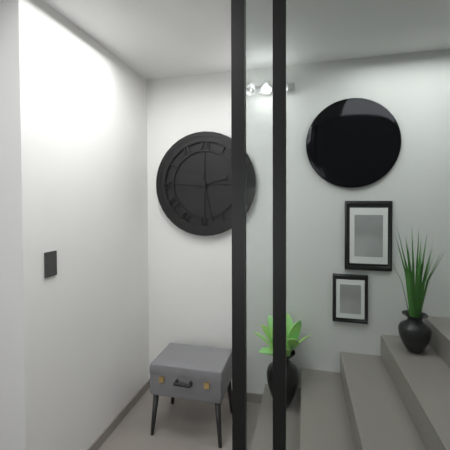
2:28
